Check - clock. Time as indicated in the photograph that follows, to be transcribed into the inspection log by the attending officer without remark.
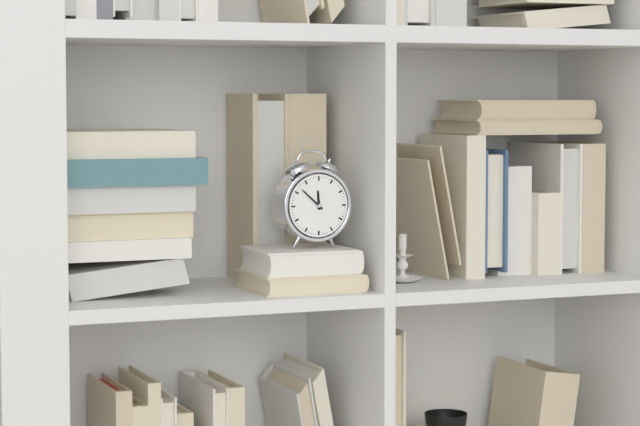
11:52
